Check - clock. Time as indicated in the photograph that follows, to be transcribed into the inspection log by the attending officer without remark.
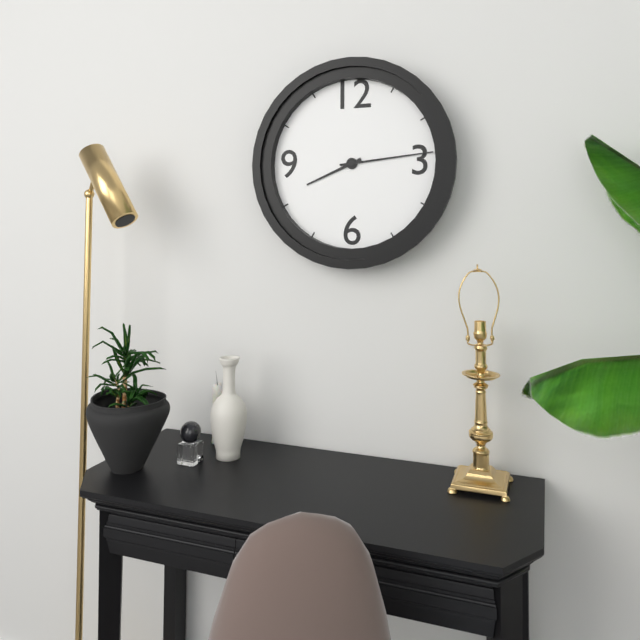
8:14
